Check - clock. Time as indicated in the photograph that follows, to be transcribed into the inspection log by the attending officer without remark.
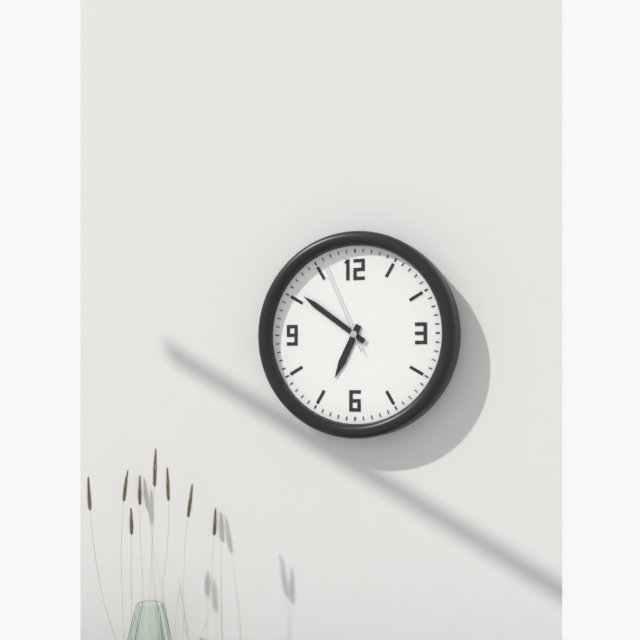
6:51:56
